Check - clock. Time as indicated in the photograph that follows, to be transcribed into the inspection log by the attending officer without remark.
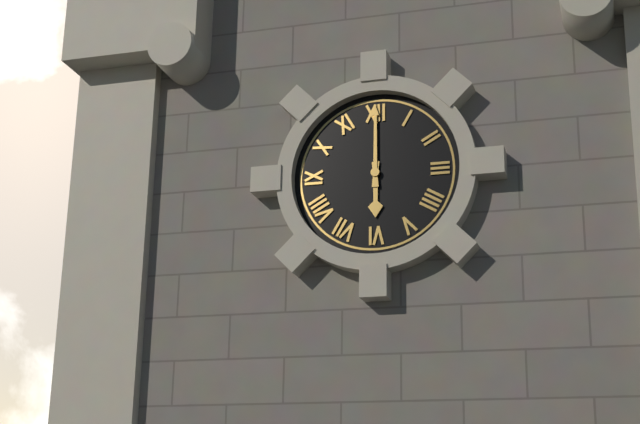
6:00
